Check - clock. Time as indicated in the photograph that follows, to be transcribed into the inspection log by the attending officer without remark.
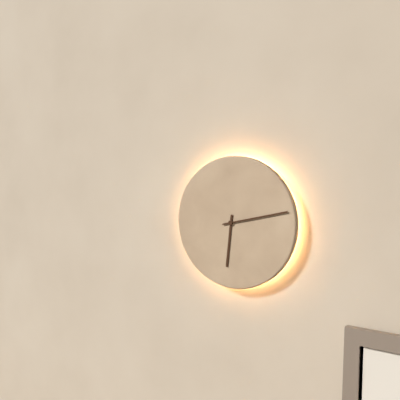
6:13
